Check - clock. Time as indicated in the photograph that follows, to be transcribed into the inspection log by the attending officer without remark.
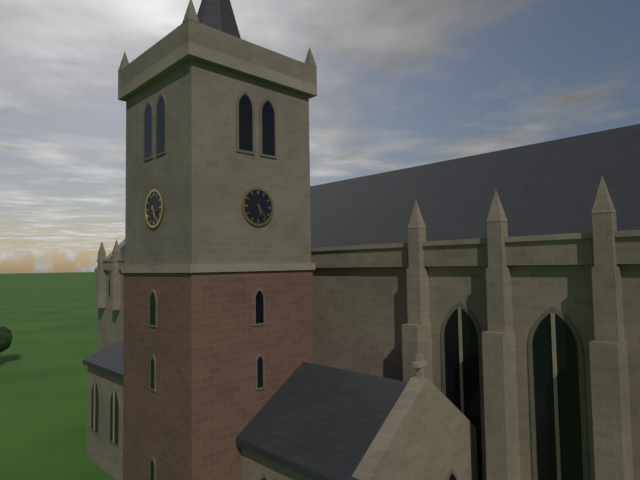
5:24
